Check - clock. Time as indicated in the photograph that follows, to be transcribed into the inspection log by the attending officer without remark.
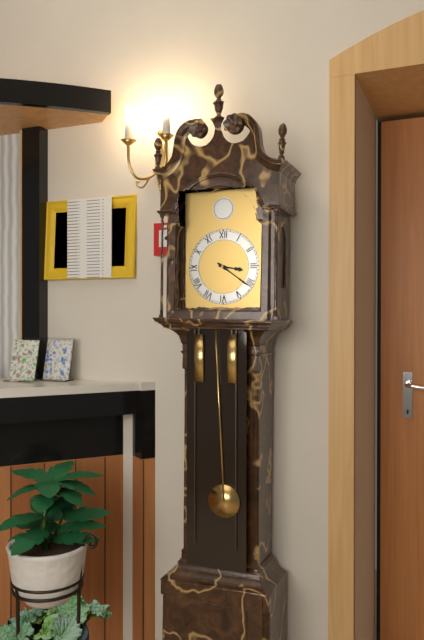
3:21
